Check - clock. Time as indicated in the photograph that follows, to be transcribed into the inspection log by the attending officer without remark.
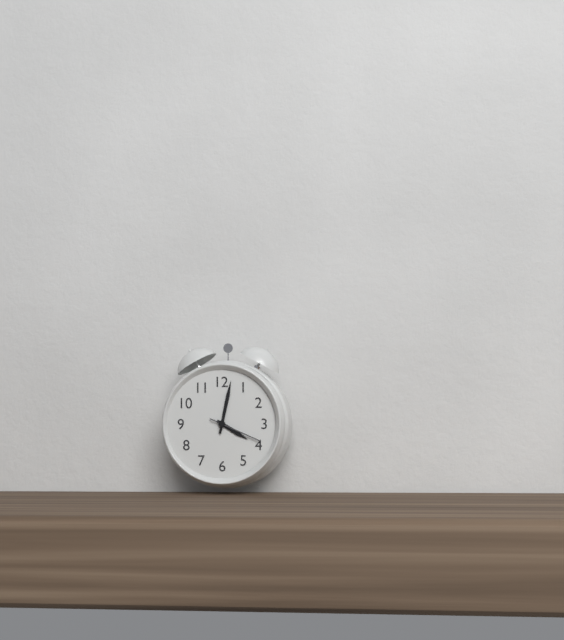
4:02:19
